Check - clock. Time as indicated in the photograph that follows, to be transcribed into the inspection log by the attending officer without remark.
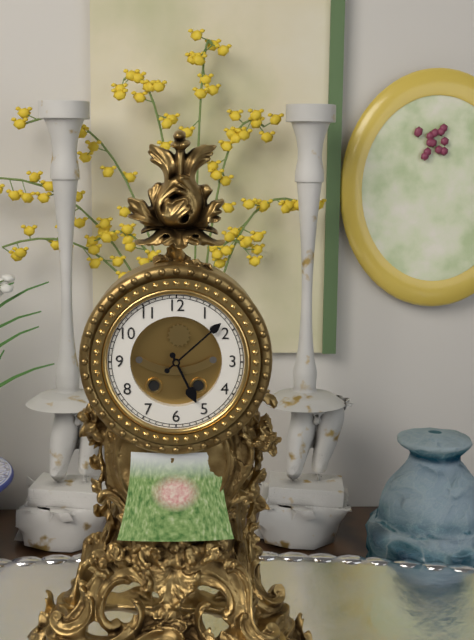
5:08
